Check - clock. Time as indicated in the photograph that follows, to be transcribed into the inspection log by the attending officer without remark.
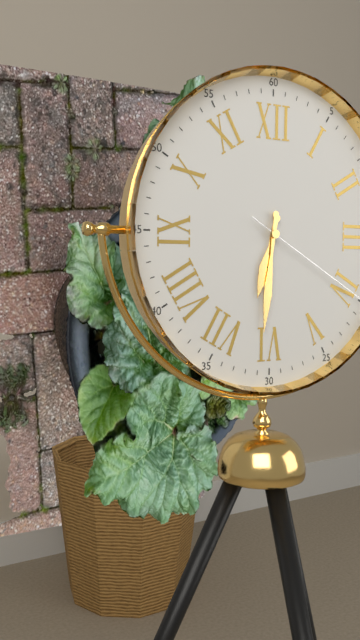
6:31
